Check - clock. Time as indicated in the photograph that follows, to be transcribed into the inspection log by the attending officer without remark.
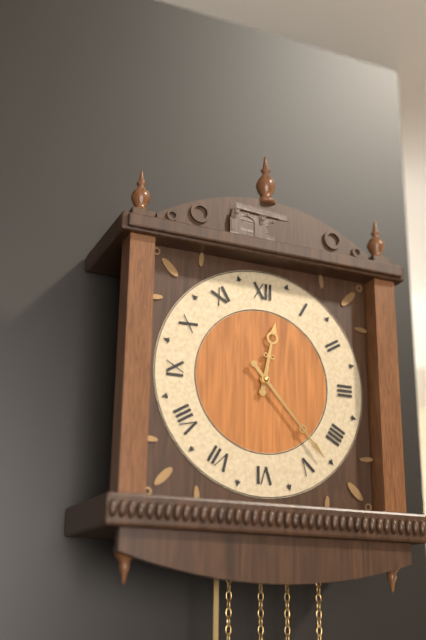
12:23
